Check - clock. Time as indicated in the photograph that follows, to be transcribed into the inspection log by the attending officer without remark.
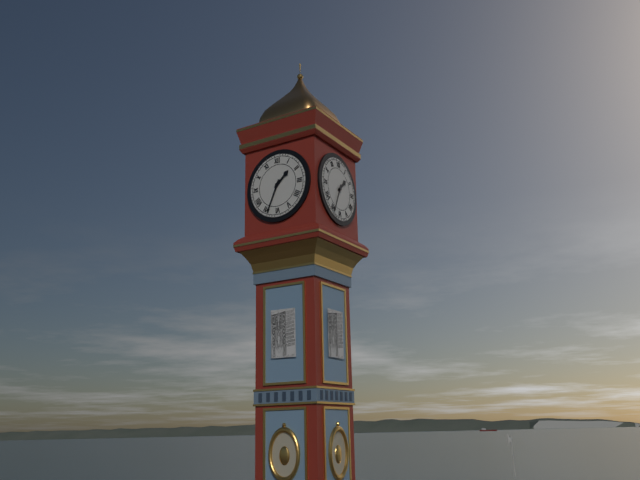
1:34
